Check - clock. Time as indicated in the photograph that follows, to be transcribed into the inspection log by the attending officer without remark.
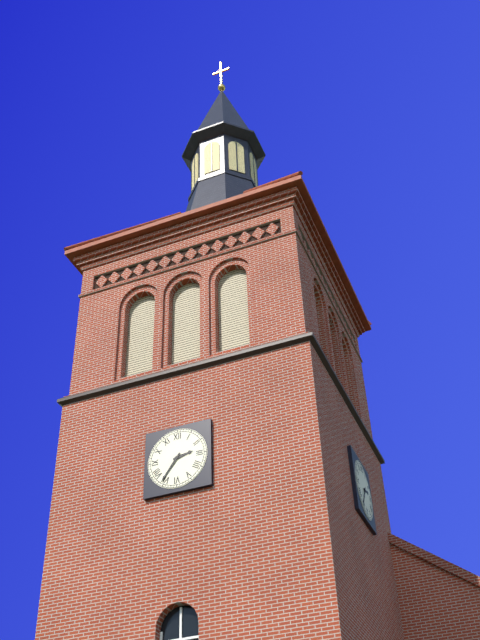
2:36
